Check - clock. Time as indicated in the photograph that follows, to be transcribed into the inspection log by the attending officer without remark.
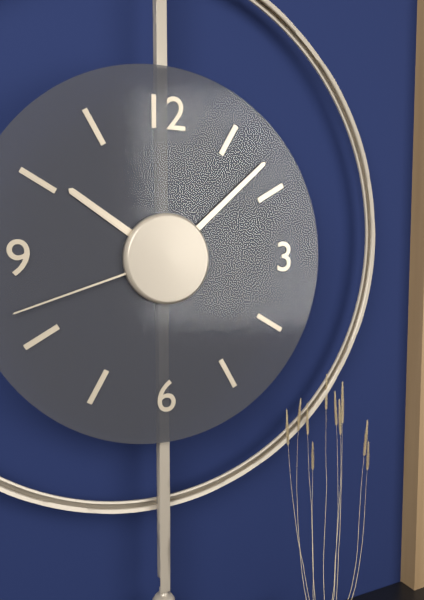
10:08:42
